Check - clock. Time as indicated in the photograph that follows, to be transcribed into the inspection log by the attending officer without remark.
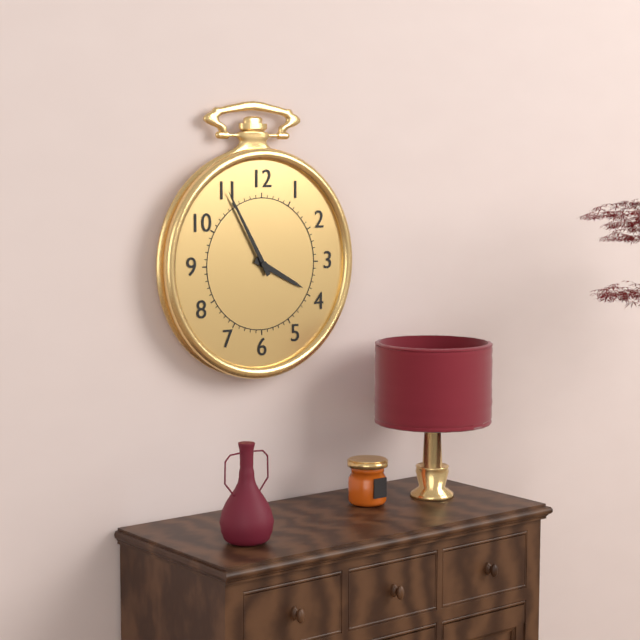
3:55
